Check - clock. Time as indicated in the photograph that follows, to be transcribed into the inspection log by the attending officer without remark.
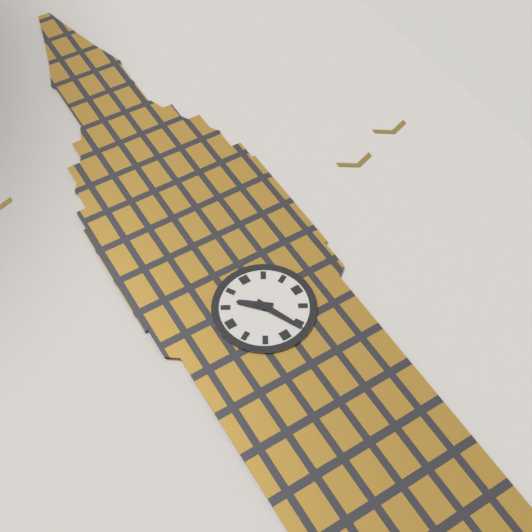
10:26
